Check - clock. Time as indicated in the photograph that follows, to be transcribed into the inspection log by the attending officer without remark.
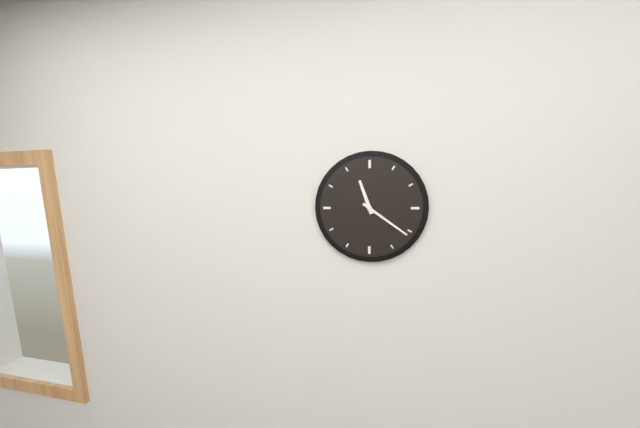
11:21
